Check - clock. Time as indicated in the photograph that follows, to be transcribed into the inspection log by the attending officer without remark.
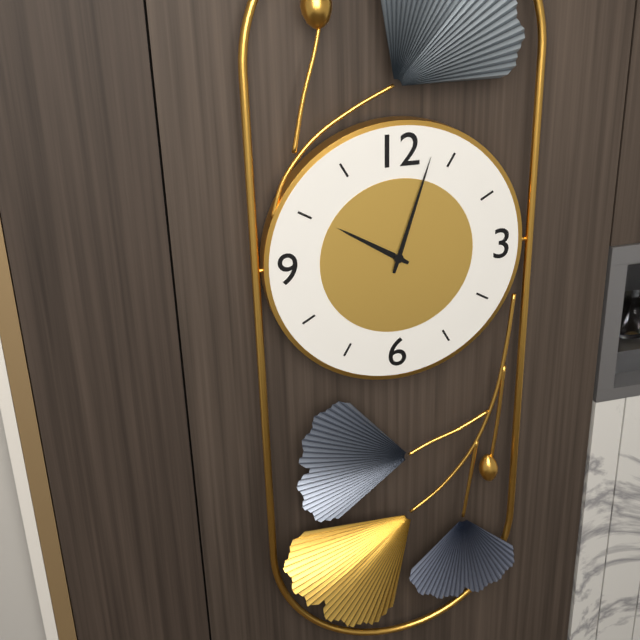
10:03
